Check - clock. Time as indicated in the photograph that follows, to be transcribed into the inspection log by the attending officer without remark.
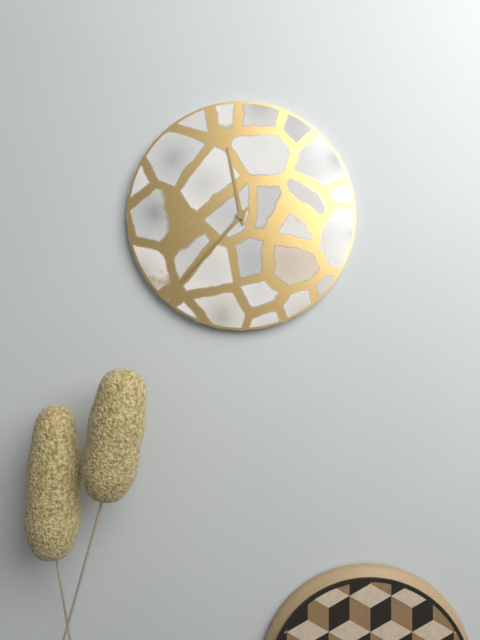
11:37
